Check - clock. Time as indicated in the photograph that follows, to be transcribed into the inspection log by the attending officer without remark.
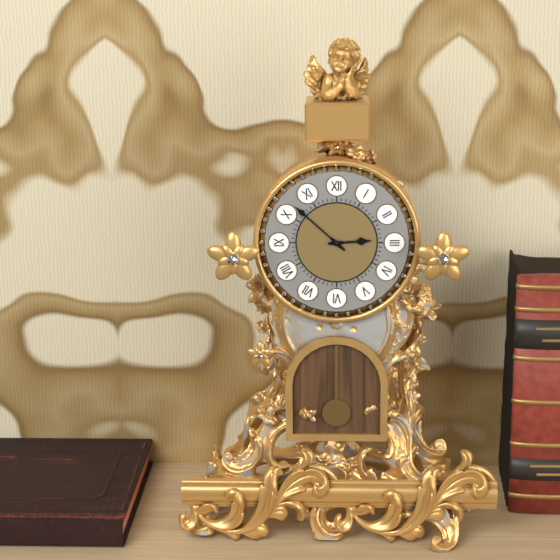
2:52
